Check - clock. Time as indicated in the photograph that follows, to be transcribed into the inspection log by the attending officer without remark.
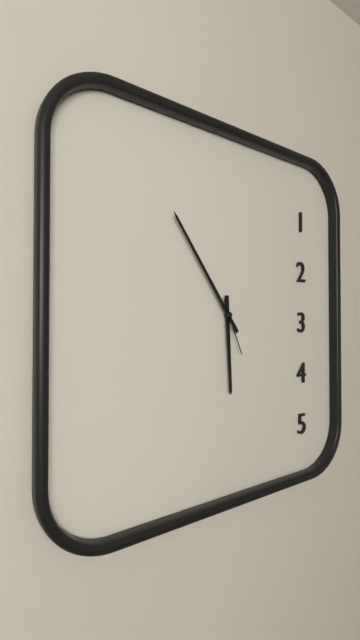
5:54:26
